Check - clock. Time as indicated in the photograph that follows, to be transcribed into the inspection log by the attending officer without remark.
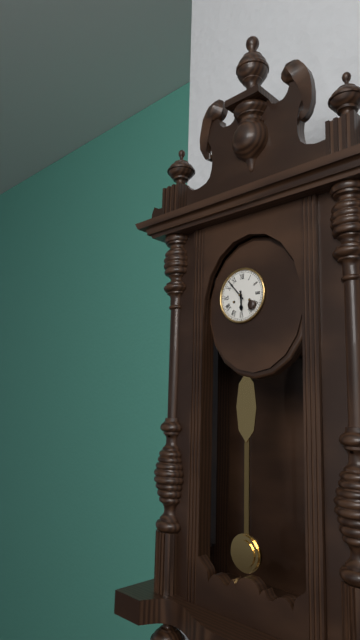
5:53
